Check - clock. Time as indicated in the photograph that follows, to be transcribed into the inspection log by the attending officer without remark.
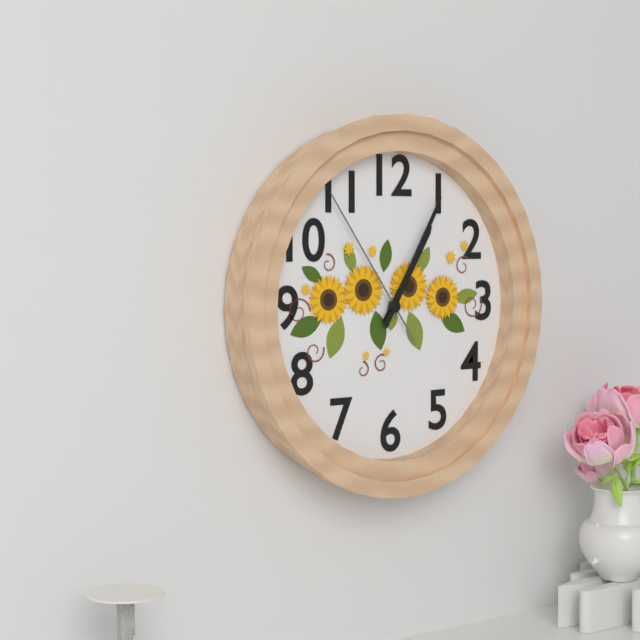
1:05:54
